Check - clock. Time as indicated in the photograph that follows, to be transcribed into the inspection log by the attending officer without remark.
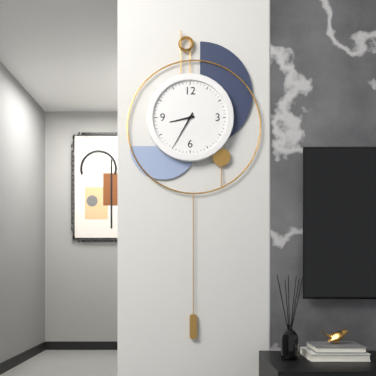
8:35
